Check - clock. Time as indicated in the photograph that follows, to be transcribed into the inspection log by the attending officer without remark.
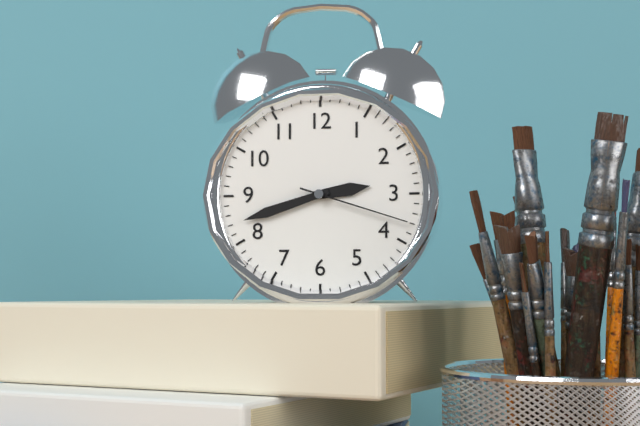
2:42:18
